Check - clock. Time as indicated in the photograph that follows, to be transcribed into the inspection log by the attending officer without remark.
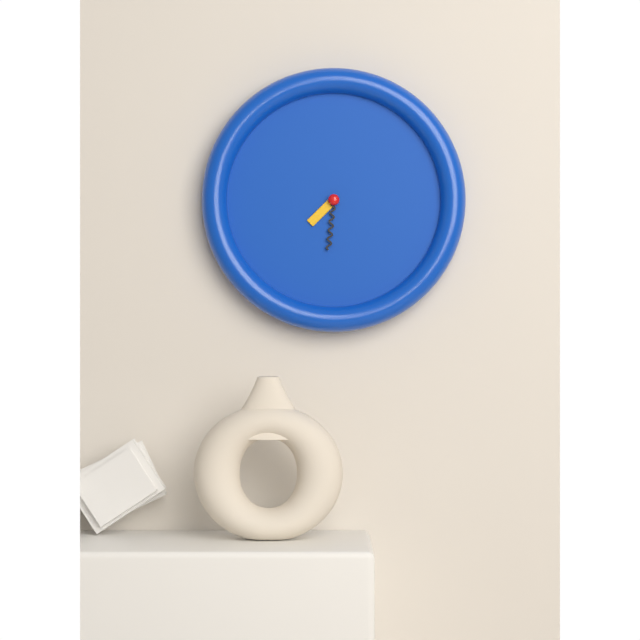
7:31
